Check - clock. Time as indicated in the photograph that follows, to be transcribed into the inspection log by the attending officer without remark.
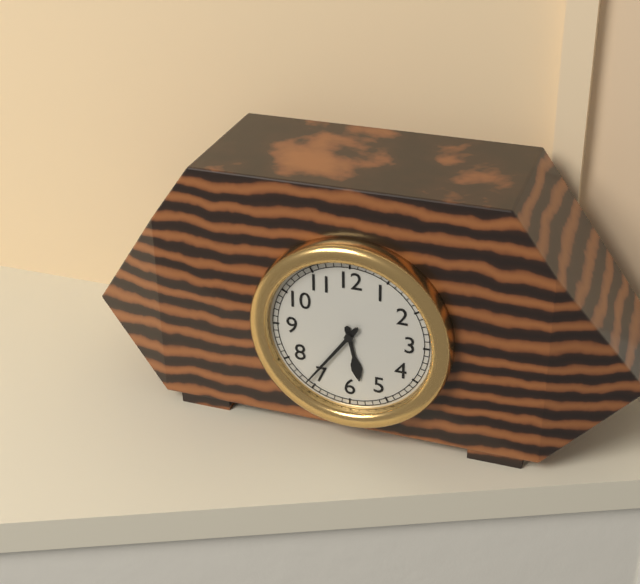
5:36
